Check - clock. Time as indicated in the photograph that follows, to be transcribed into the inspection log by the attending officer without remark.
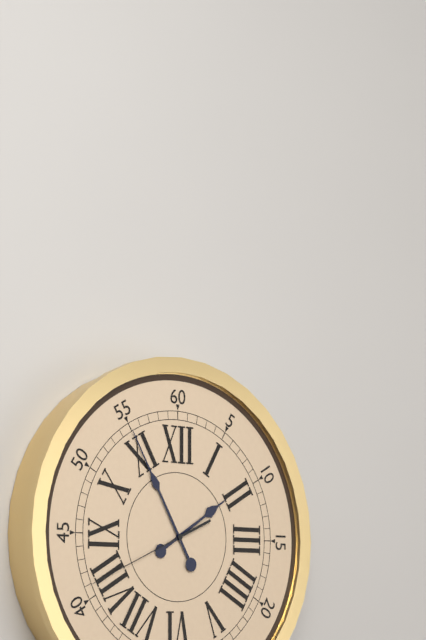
1:55:41
